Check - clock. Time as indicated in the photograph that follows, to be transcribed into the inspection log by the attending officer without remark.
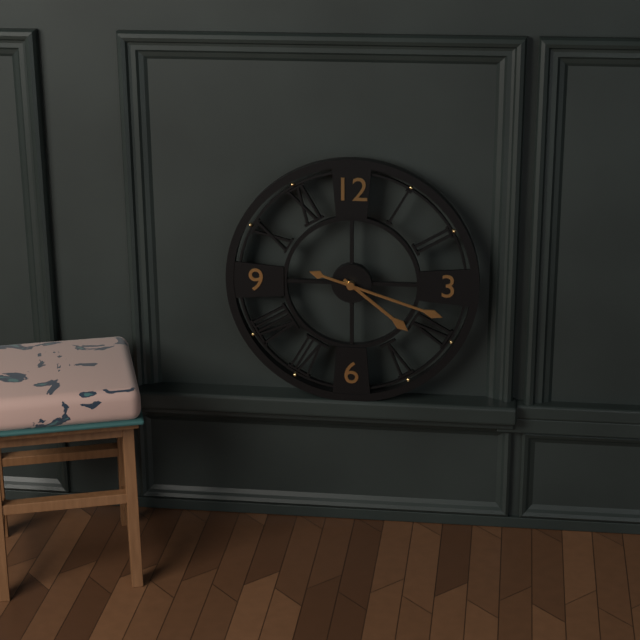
4:18
